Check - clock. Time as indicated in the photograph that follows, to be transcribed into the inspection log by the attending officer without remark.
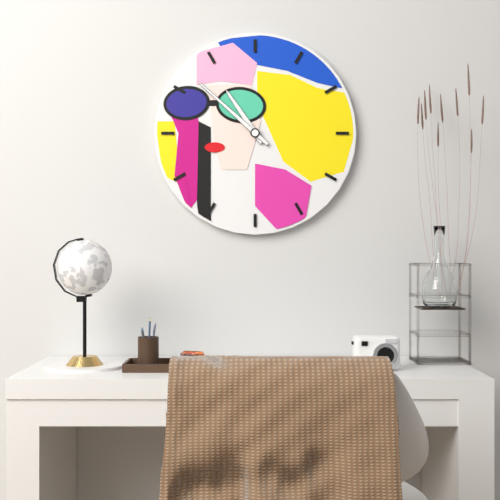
10:52
